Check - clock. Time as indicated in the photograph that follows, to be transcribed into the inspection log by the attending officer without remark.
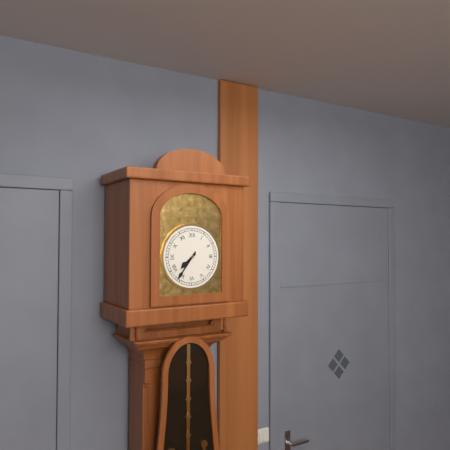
7:36
